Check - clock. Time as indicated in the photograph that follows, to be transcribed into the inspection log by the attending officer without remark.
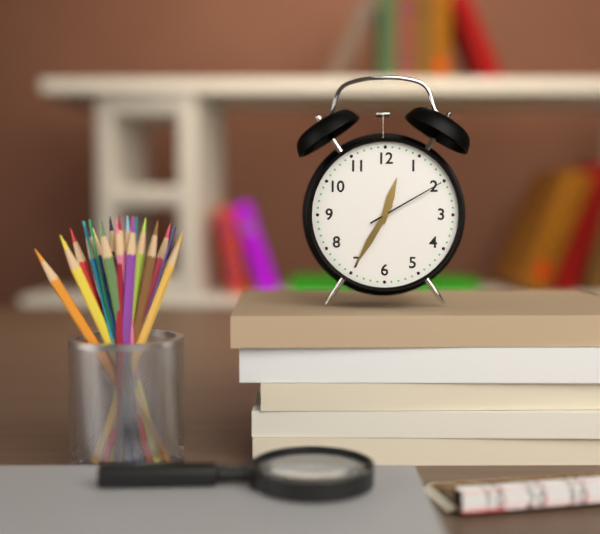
12:35:10
